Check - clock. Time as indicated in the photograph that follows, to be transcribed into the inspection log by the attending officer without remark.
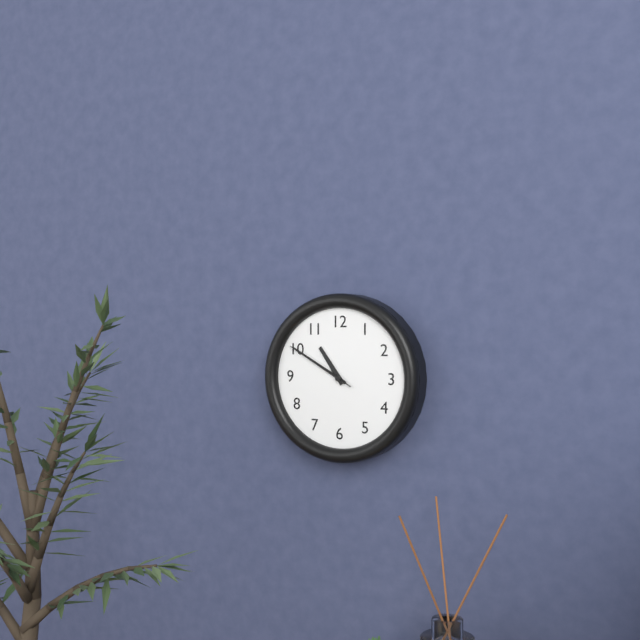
10:50:50
